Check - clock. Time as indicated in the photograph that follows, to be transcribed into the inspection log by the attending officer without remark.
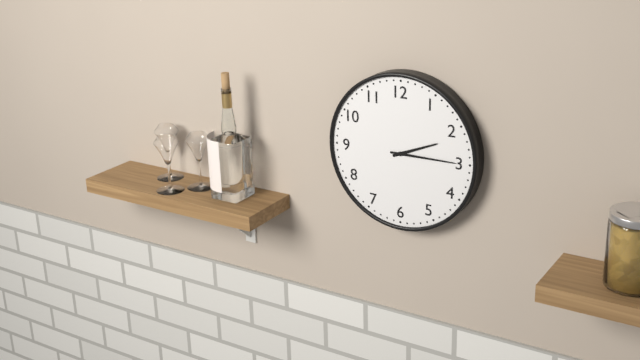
2:15
